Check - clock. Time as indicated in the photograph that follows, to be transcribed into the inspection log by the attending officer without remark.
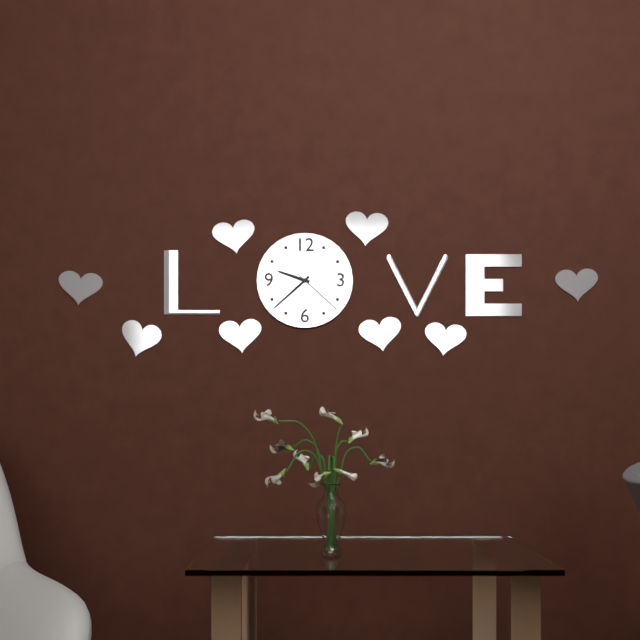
9:38:22
